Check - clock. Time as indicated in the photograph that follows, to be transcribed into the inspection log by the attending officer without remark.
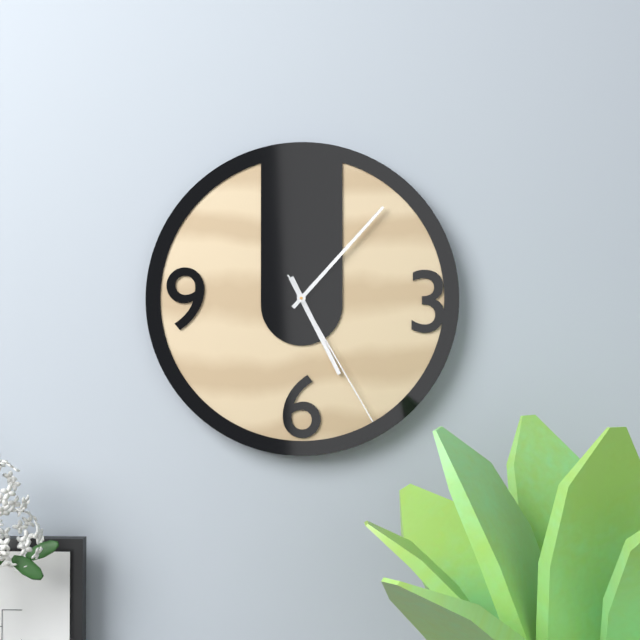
5:07:25
